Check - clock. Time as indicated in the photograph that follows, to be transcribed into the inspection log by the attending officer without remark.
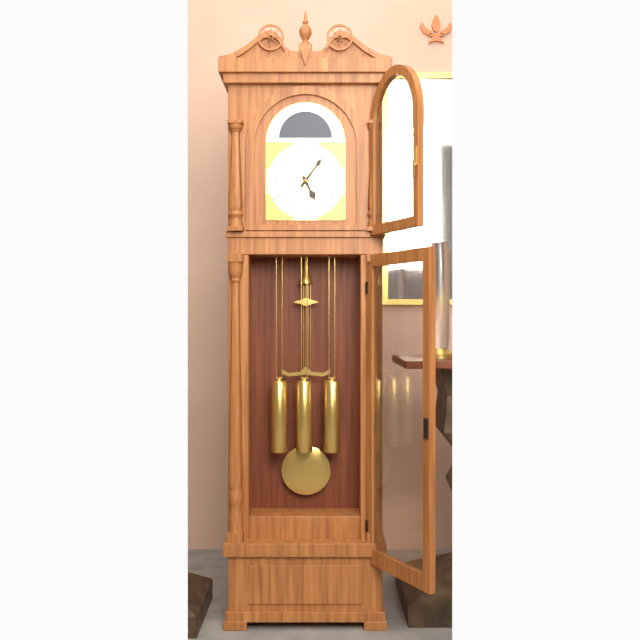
5:06
